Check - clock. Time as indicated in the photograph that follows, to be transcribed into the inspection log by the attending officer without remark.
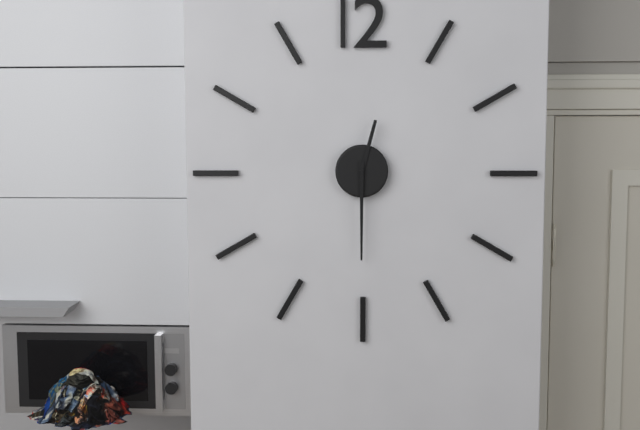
12:30
